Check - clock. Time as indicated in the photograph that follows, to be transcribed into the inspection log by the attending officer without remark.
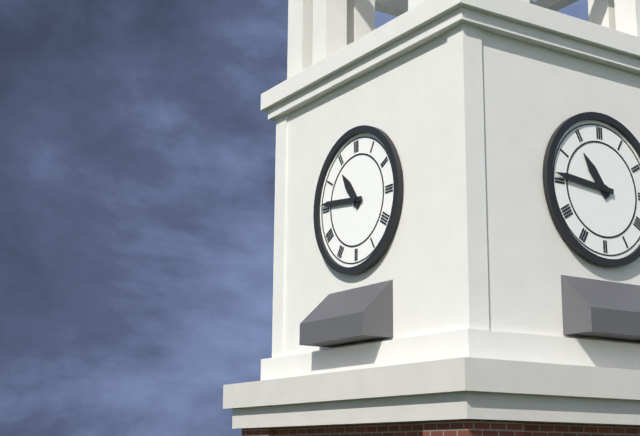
10:46
